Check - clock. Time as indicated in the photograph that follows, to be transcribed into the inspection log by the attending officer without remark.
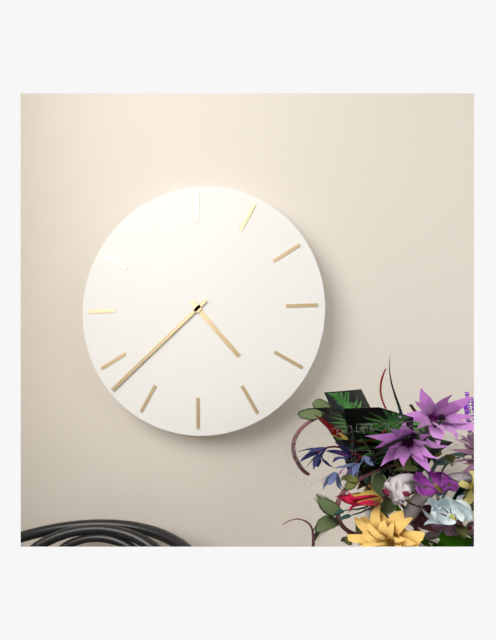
4:38
